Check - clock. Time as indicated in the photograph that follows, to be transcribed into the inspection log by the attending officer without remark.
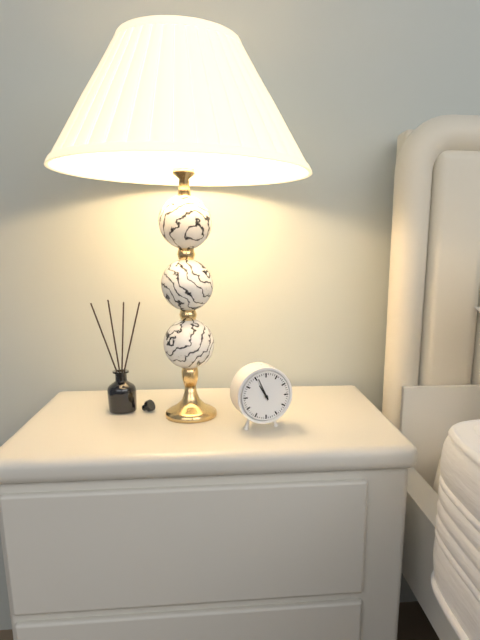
10:56
